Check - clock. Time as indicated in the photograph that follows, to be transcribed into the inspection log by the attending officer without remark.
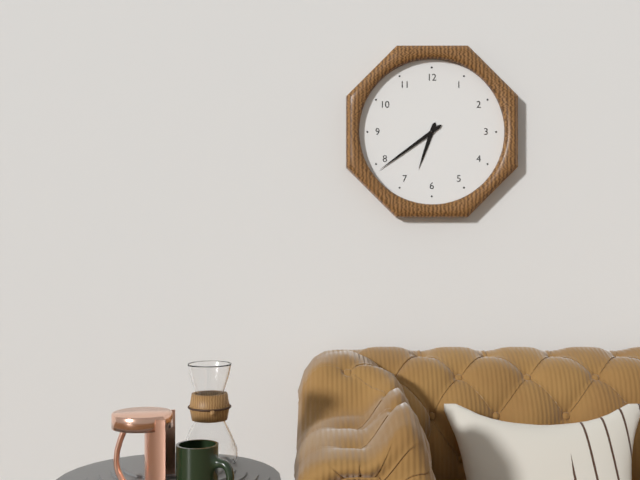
6:39
